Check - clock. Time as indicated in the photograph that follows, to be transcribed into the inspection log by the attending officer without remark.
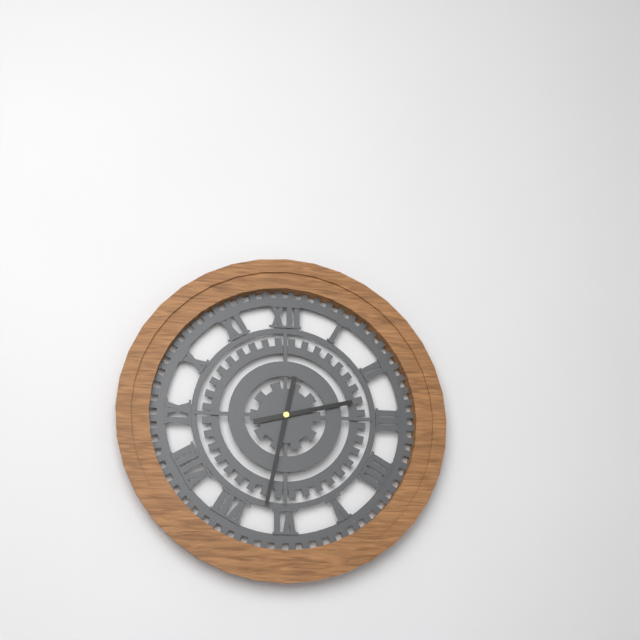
2:32
